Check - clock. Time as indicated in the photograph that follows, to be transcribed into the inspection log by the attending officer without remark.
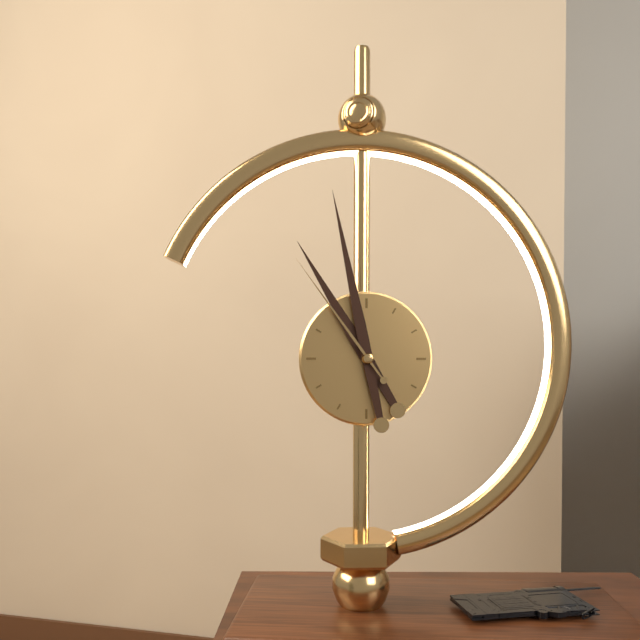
10:58:54
